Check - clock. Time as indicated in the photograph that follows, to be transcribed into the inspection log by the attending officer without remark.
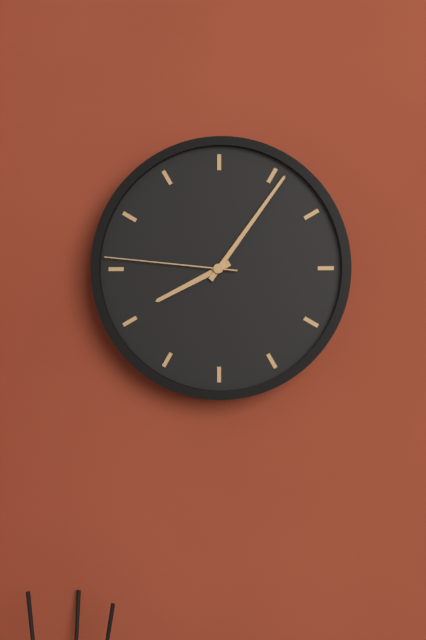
8:06:46
